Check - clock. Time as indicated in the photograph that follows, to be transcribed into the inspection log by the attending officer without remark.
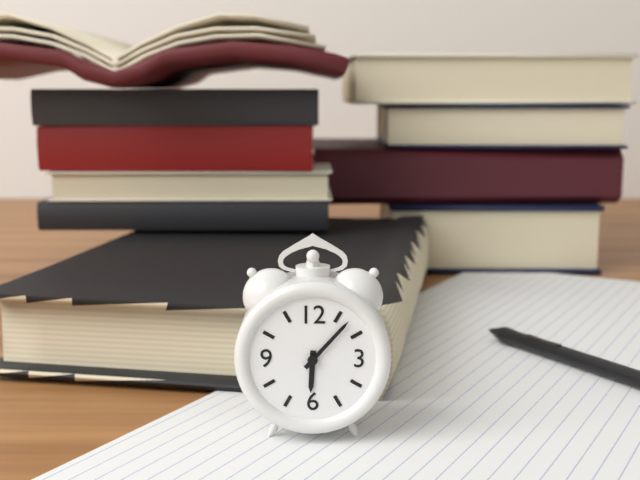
6:07
